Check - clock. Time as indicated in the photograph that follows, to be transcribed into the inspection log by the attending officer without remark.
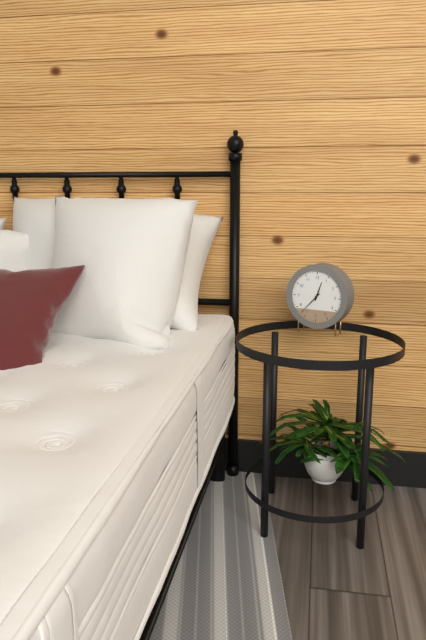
12:37
